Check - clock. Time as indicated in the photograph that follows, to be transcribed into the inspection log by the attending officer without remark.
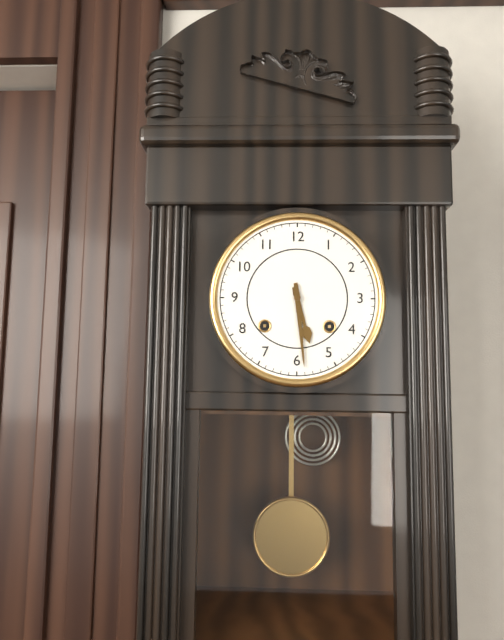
5:29
